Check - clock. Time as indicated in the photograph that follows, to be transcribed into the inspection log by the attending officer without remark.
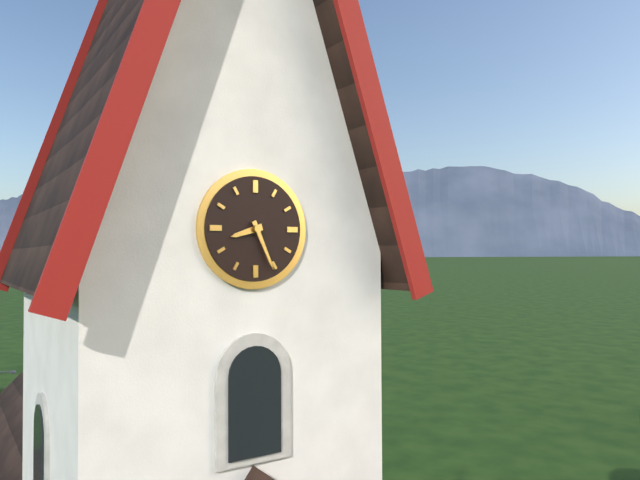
8:26
